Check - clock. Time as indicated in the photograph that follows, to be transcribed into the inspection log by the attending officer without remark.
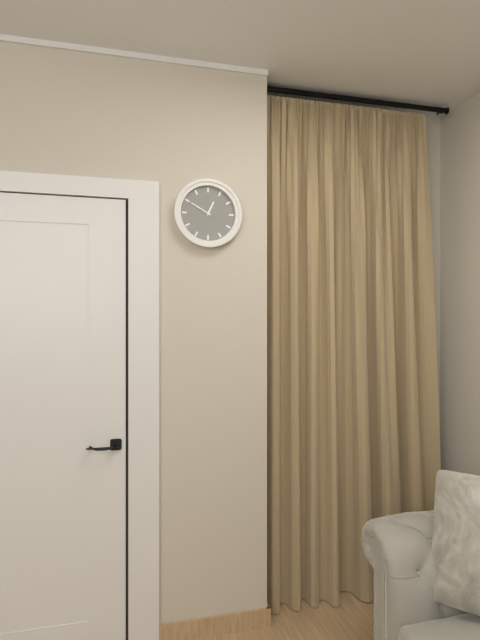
12:50
